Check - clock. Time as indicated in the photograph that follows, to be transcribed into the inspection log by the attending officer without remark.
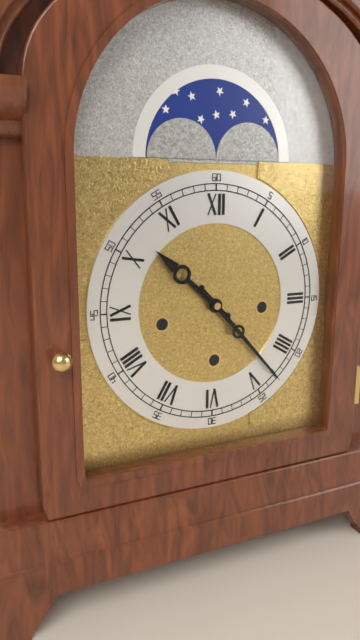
10:23
